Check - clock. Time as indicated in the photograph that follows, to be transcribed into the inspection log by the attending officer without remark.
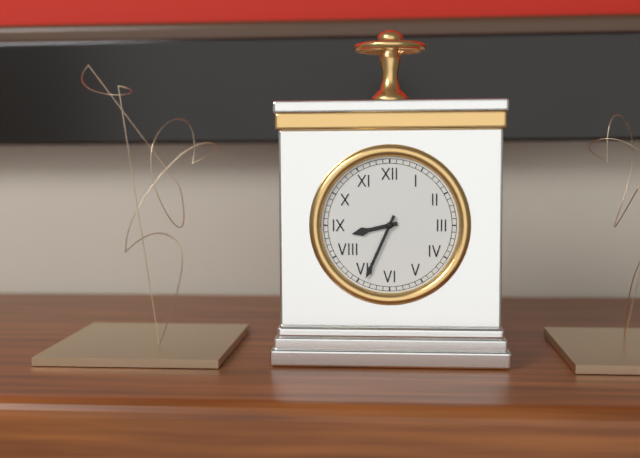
8:34
